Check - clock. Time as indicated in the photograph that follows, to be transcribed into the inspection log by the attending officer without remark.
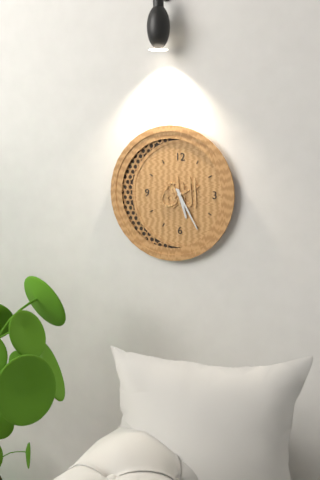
5:25
